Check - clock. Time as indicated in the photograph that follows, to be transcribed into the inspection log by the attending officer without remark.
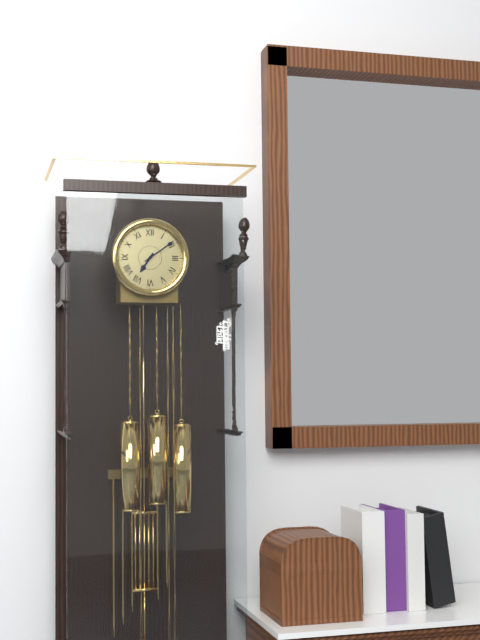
7:09
